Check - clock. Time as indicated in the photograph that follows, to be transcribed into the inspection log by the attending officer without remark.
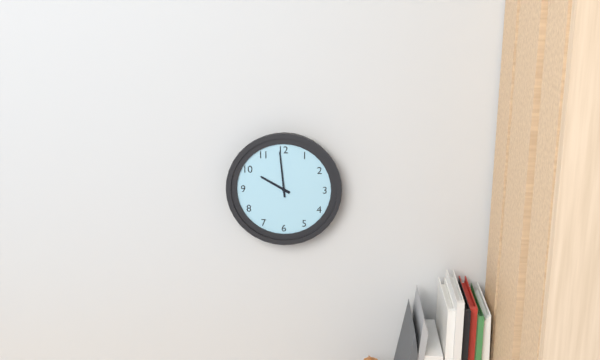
9:59
